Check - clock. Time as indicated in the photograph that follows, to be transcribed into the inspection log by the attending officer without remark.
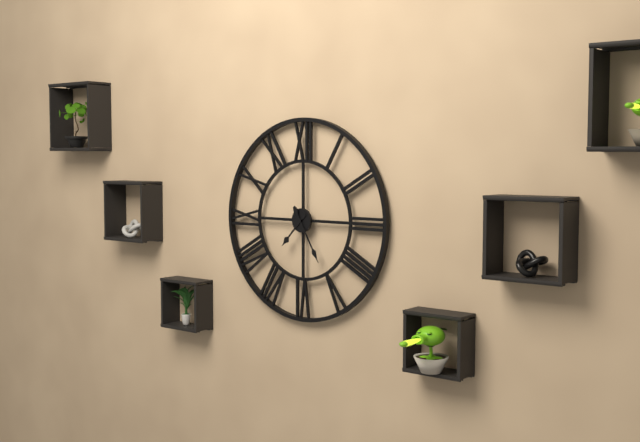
7:25
